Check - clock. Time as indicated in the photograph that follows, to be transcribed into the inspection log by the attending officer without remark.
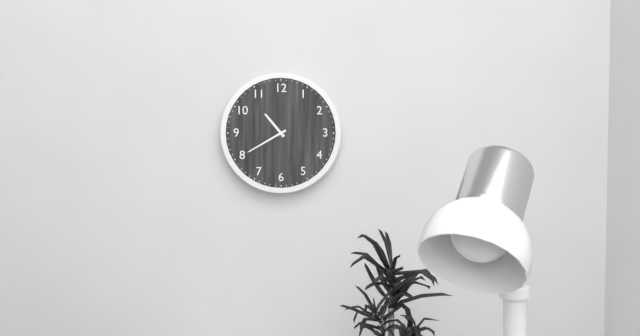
10:40
